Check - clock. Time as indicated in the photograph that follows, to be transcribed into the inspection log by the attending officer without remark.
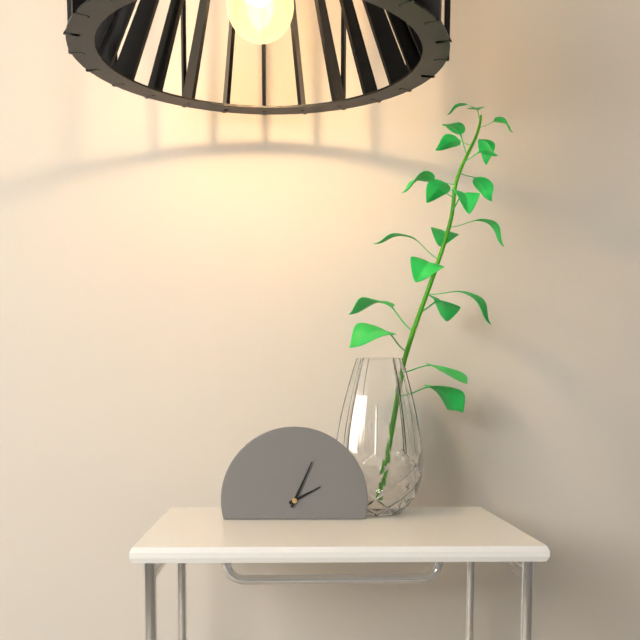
2:04
